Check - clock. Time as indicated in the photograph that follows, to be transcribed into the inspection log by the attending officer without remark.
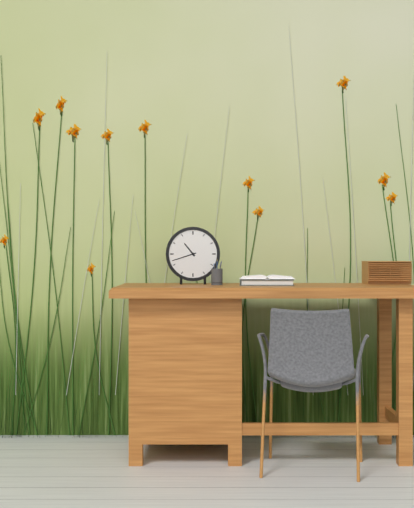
10:42
